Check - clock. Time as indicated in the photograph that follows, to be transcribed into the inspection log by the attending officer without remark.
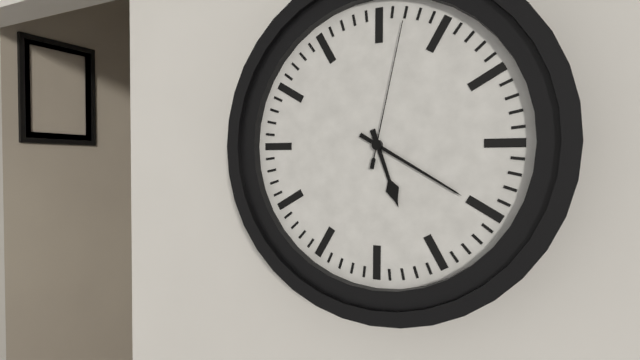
5:20:02
